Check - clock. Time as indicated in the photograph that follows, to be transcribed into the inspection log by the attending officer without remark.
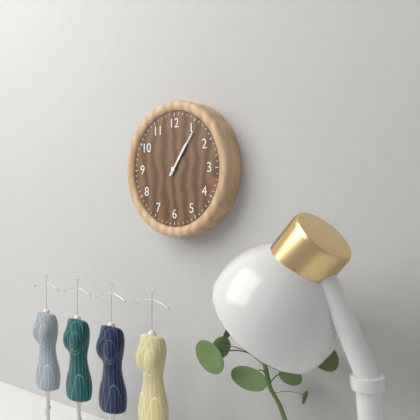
1:06
